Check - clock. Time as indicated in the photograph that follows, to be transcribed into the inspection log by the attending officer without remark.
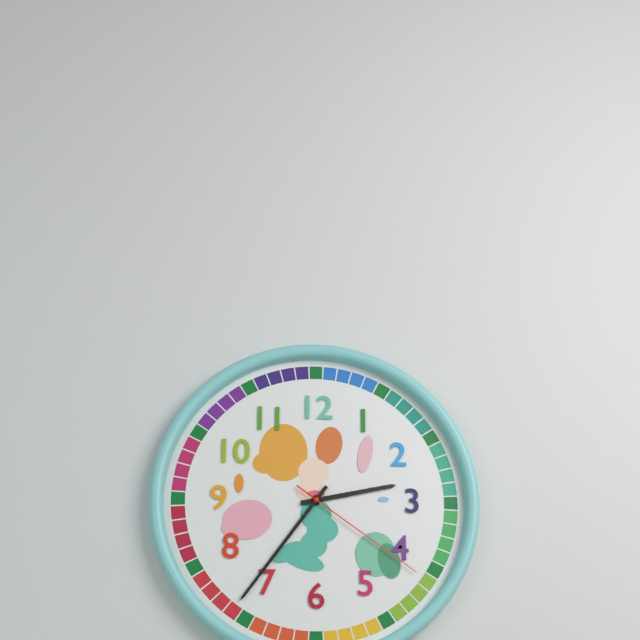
2:36:21
